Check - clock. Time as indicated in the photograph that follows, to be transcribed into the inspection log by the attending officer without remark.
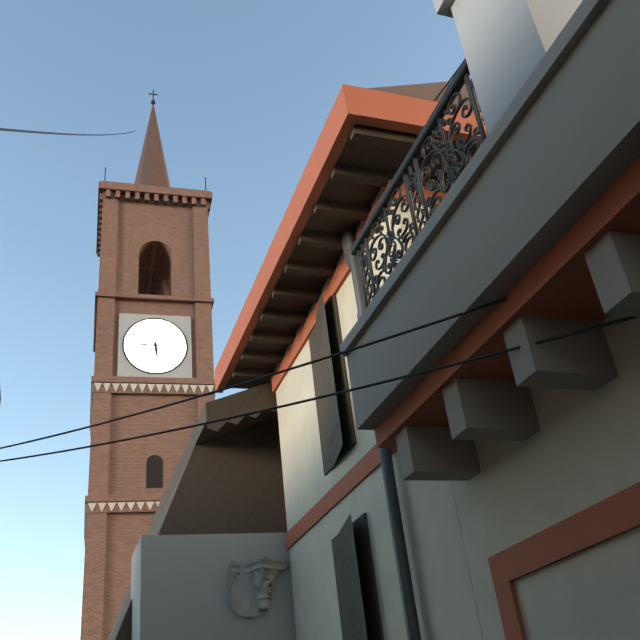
5:45
